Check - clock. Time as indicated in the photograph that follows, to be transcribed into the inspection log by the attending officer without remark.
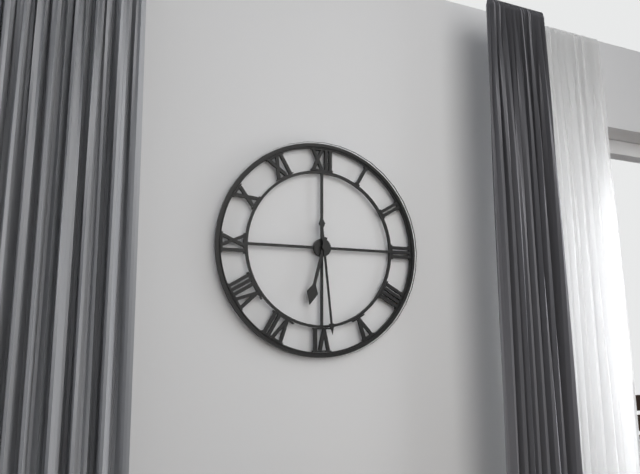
6:29
